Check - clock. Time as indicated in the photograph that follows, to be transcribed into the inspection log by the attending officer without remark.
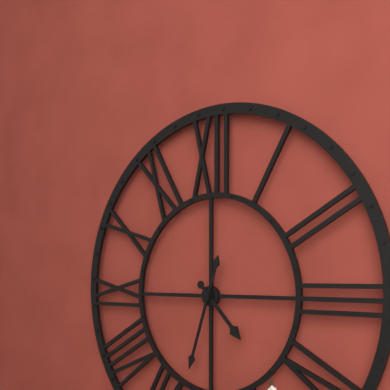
4:33
